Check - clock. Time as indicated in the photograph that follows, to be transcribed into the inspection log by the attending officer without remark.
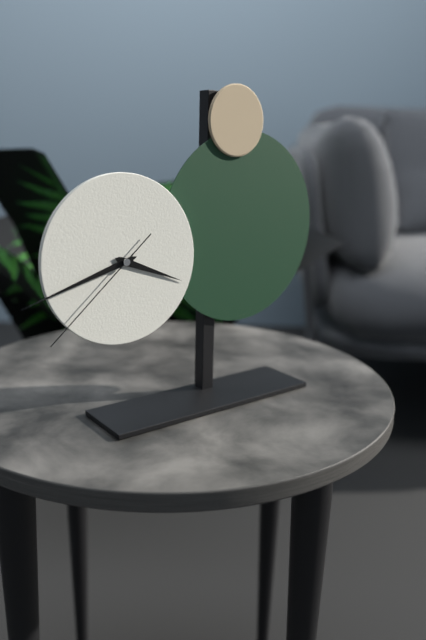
3:42:38
